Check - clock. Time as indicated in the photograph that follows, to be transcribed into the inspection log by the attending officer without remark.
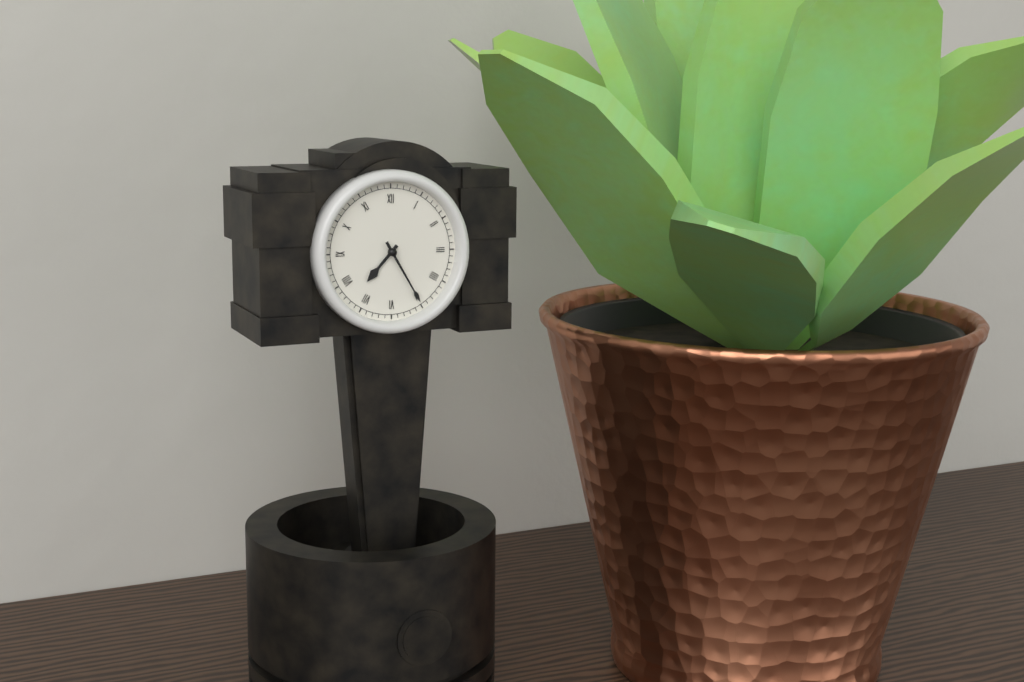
7:25
